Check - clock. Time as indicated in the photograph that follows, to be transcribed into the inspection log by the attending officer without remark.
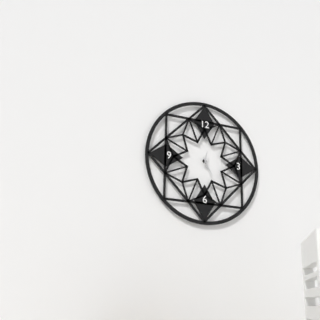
12:25
